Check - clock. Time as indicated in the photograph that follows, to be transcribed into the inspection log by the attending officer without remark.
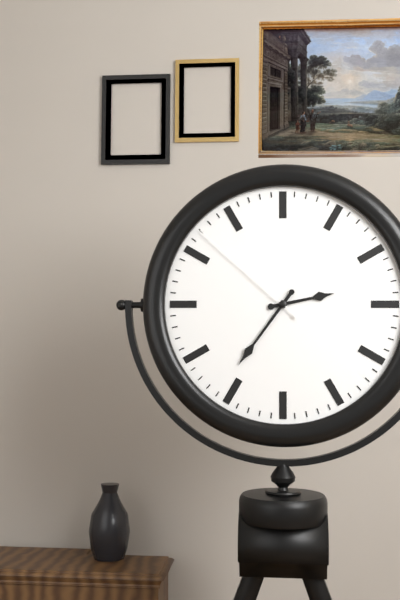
2:36:52
